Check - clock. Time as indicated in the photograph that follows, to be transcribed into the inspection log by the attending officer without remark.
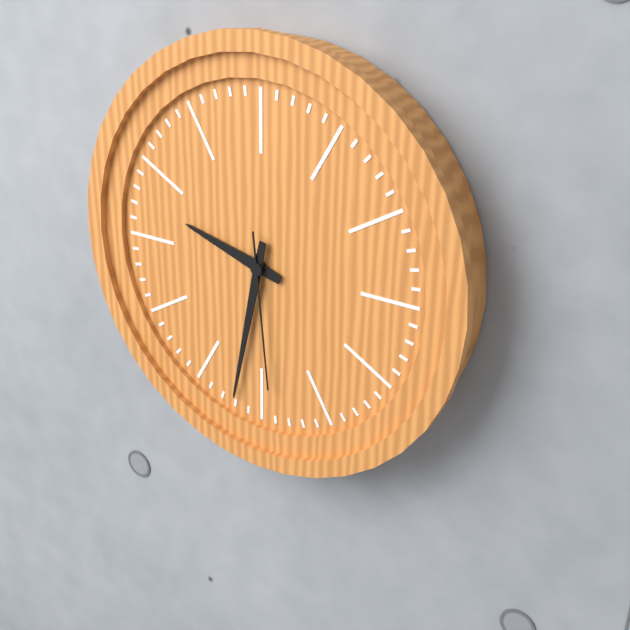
9:32:29
